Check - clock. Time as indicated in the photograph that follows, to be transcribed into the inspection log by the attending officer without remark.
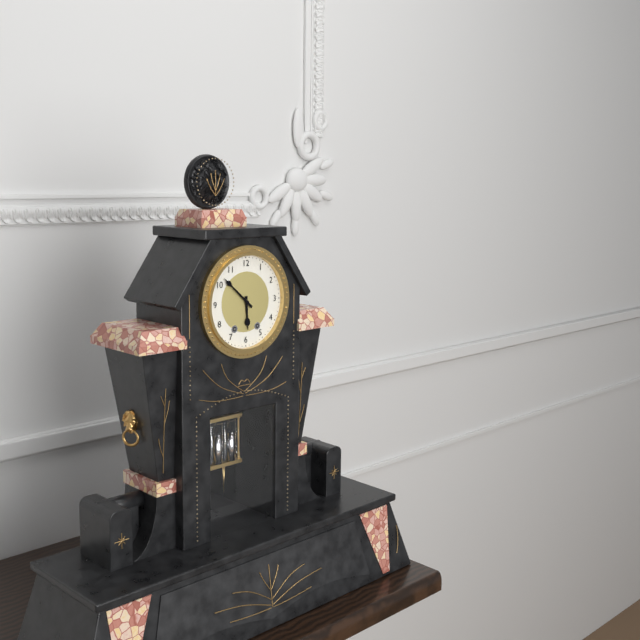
5:52
